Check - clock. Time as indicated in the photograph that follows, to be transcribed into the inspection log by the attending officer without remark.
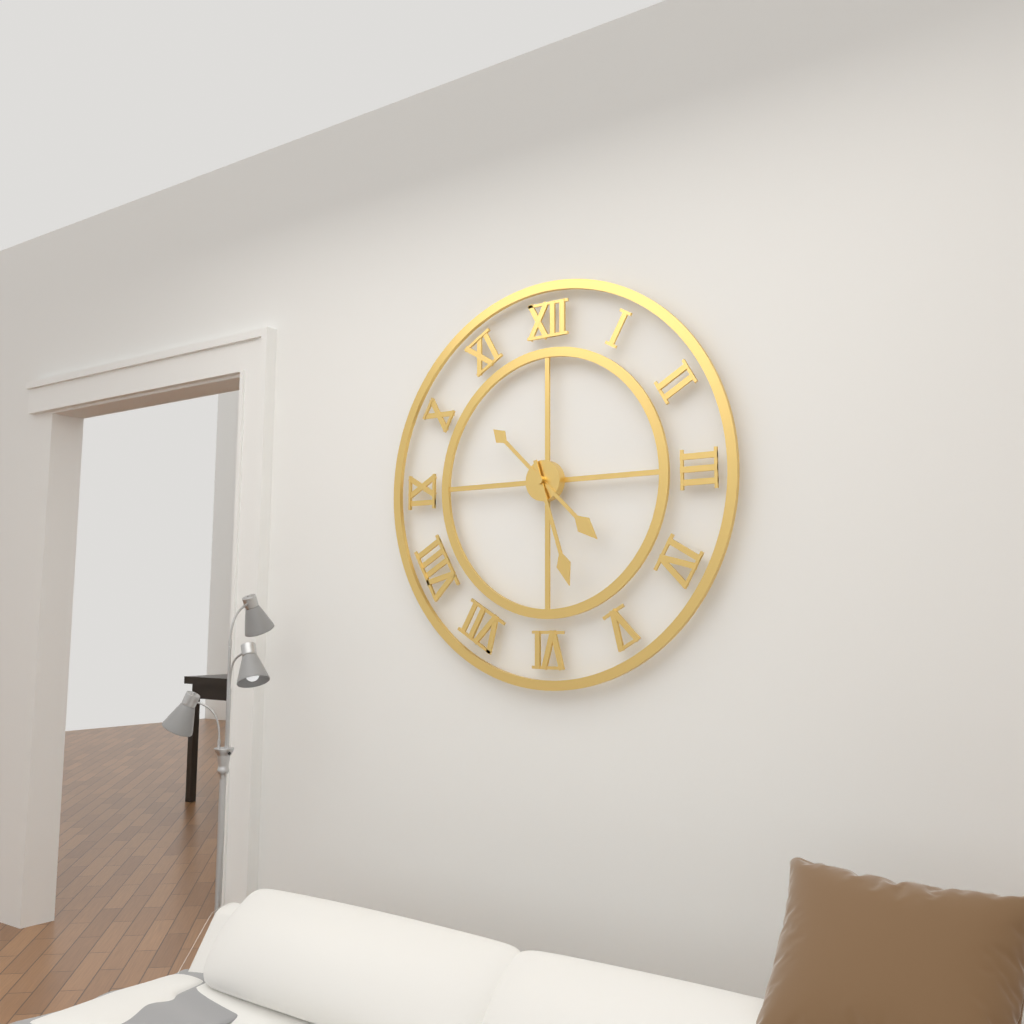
4:27
